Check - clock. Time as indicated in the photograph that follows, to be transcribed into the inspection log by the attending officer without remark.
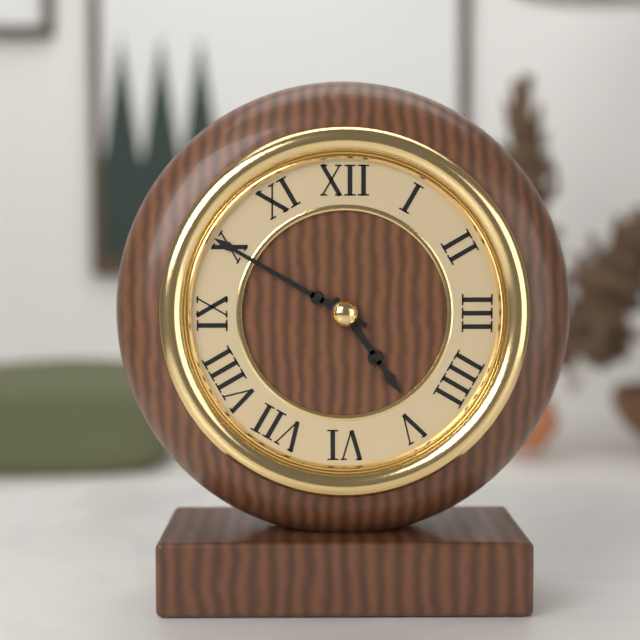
4:50
